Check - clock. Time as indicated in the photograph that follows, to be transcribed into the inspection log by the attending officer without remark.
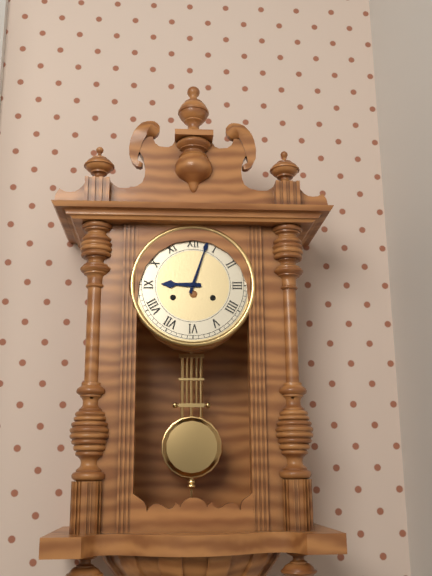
9:03
